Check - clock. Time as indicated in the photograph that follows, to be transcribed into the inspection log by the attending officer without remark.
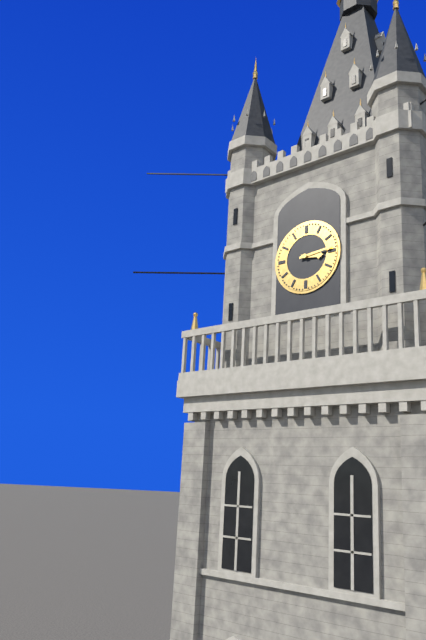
3:14
